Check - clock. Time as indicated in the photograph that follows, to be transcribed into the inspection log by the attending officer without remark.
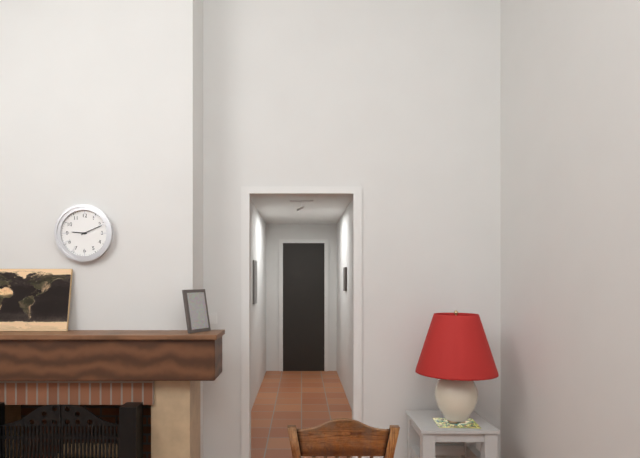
9:11
